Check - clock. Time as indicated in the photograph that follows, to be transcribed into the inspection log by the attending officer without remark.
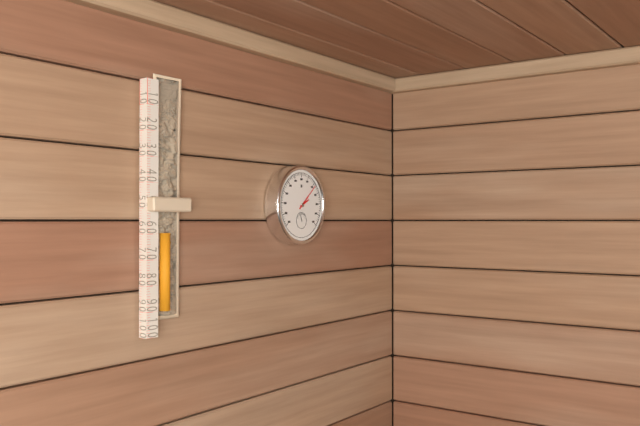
2:08
